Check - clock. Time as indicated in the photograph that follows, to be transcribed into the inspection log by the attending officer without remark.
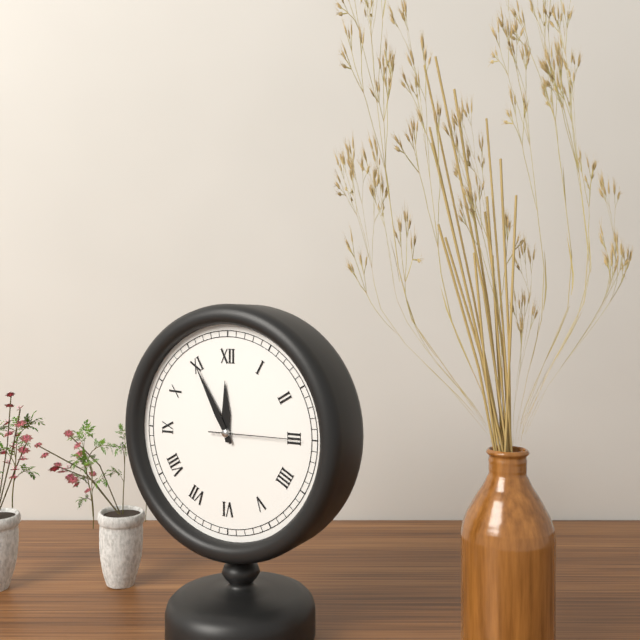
11:55:15
